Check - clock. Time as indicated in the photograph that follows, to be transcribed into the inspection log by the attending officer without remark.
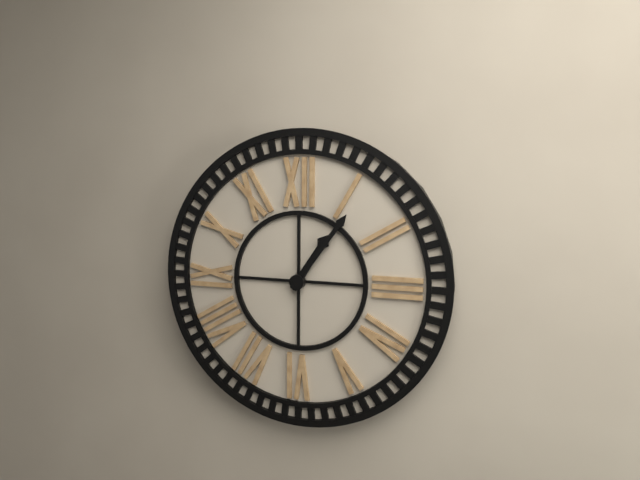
1:06
